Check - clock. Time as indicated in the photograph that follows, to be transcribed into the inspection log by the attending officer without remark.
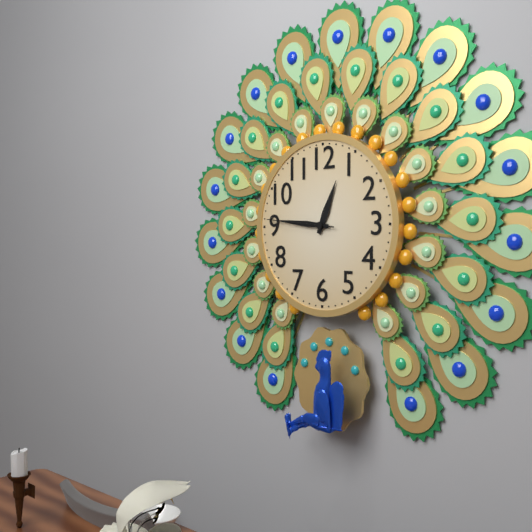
12:46:46
